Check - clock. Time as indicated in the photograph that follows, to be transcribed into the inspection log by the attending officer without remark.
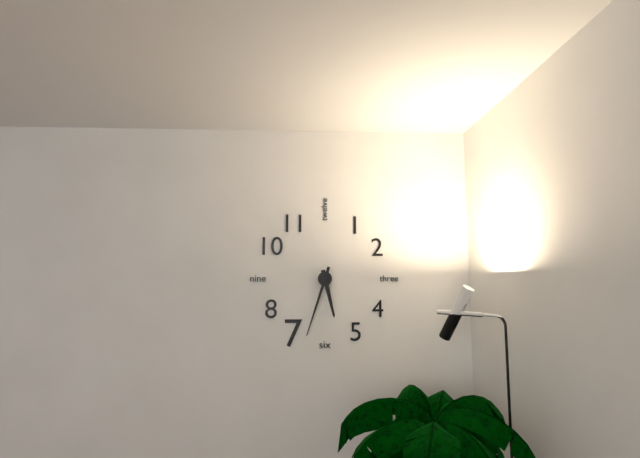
5:33
